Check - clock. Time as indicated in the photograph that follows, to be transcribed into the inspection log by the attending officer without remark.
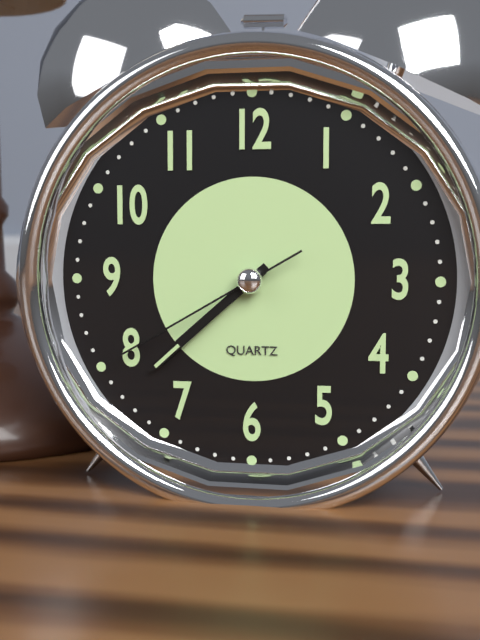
7:38:40
